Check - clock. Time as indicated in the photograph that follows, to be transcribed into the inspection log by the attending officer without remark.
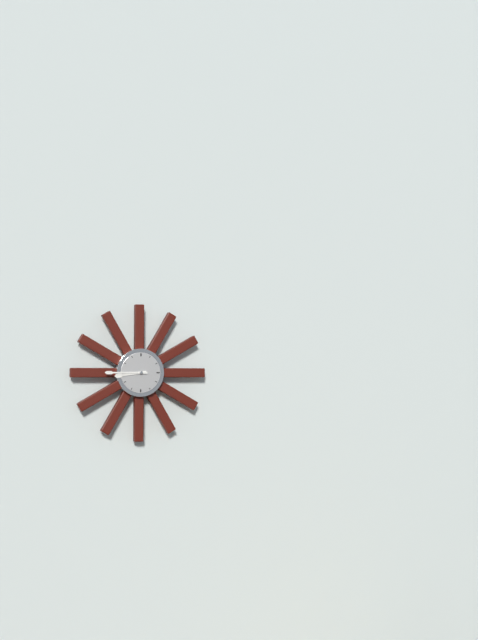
8:45
